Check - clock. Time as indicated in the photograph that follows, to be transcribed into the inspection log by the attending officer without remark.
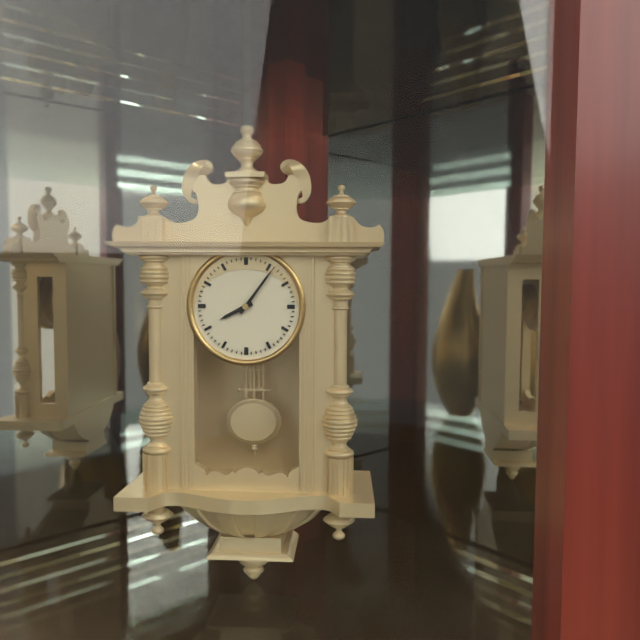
8:06
